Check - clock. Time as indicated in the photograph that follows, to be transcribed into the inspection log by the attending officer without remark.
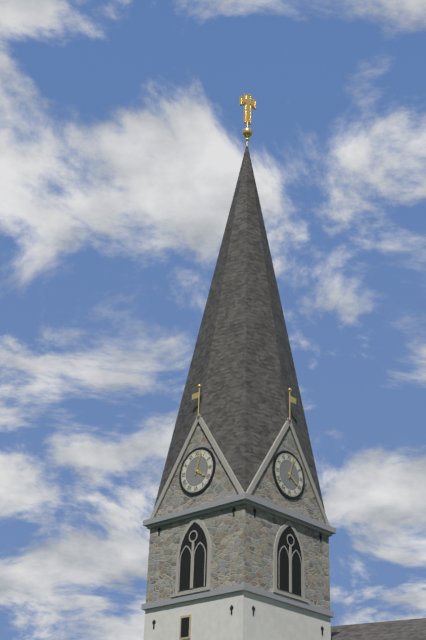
4:03
